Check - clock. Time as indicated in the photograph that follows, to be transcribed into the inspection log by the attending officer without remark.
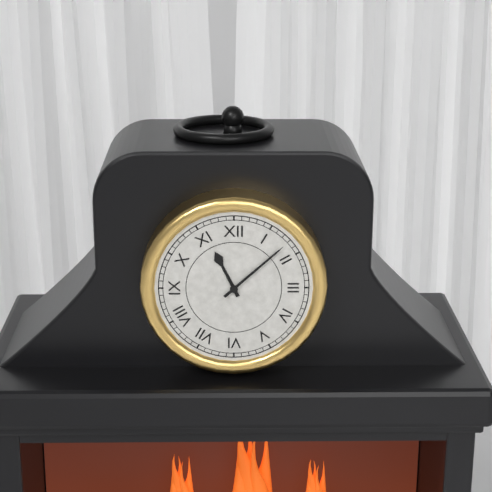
11:08
